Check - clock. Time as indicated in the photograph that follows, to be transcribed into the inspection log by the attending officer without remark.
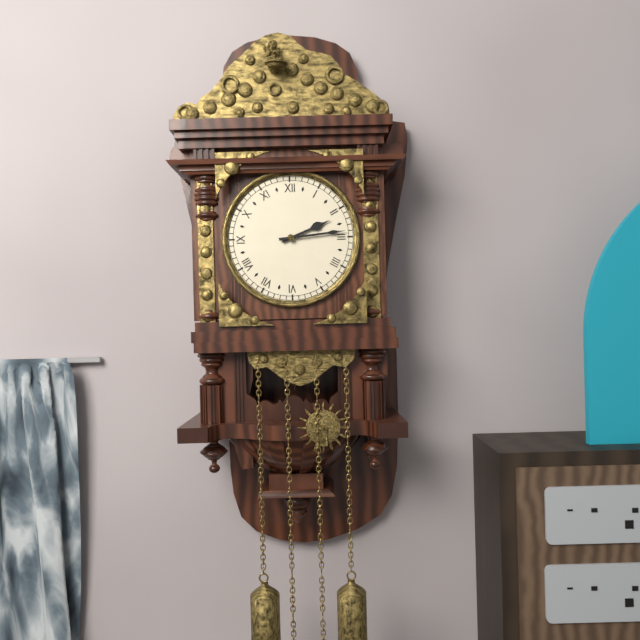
2:14
